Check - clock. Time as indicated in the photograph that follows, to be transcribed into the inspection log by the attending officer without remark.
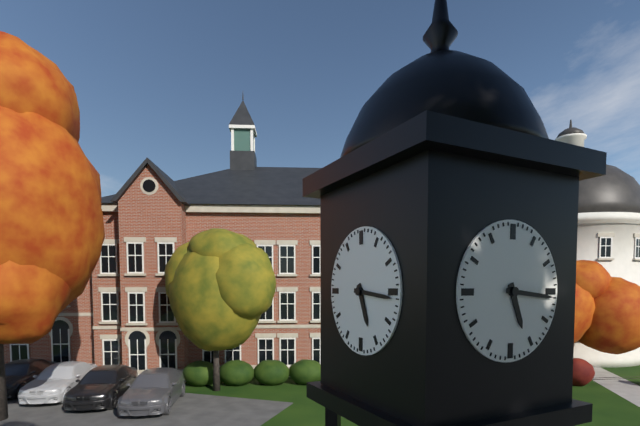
5:16
